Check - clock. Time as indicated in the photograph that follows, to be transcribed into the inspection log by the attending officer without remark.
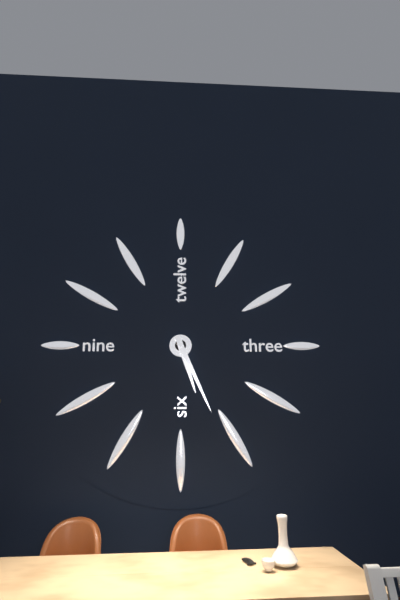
5:26
